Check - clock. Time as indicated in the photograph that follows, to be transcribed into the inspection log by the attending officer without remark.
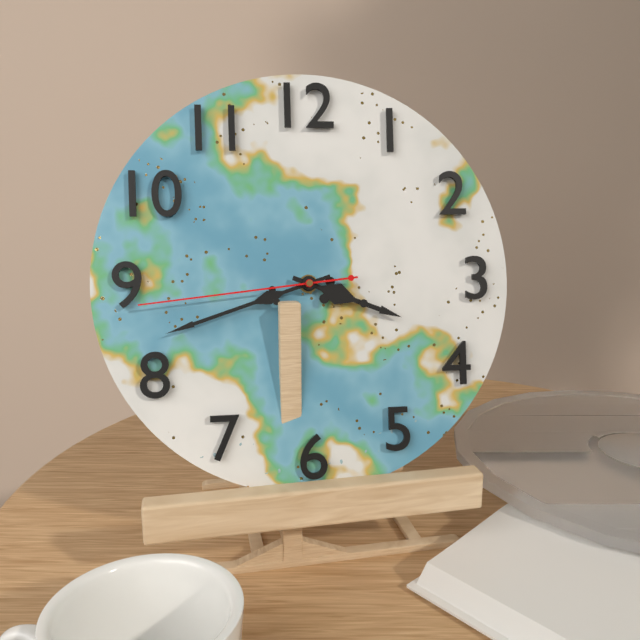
3:42:44
